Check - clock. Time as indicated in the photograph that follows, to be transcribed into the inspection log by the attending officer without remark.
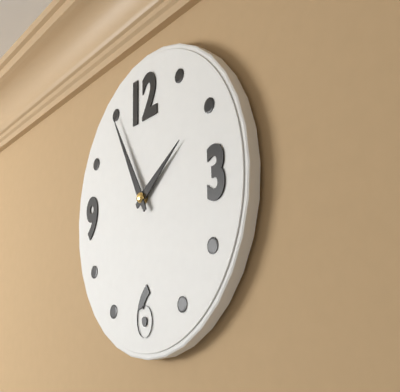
1:55
